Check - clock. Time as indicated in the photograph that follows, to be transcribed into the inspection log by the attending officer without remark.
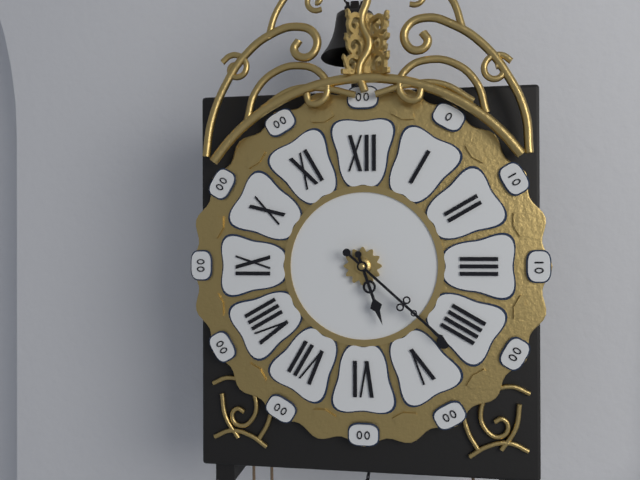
5:22
